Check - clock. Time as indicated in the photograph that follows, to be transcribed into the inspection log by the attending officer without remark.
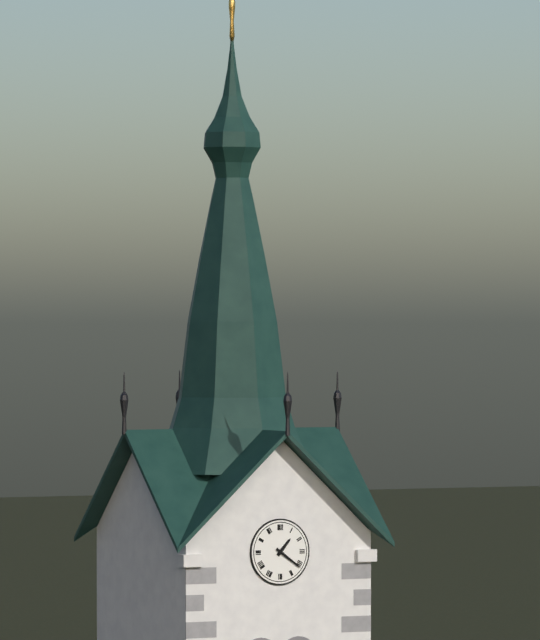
1:21
